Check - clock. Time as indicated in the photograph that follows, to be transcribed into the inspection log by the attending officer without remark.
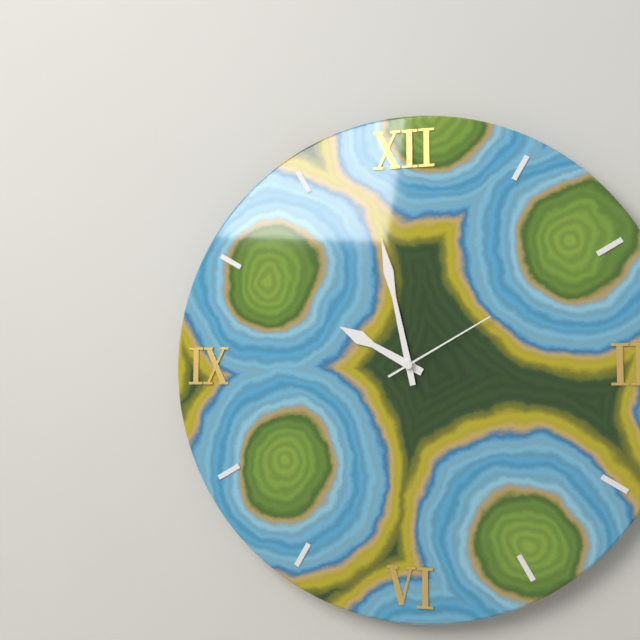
9:58:10
